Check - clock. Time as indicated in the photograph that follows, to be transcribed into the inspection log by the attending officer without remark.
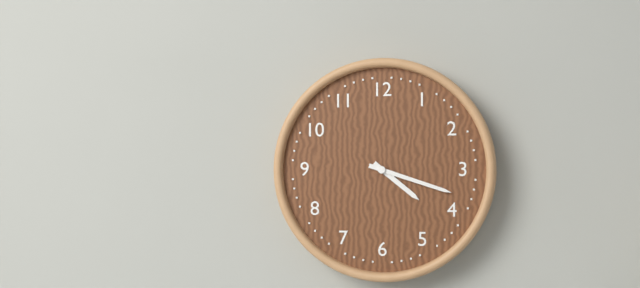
4:18
